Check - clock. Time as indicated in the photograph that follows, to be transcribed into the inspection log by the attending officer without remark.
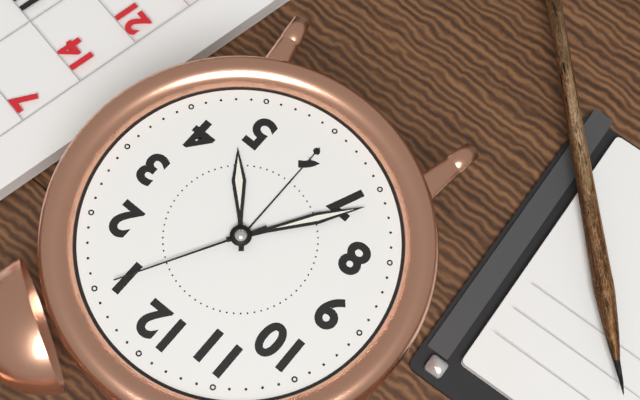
4:36:05
